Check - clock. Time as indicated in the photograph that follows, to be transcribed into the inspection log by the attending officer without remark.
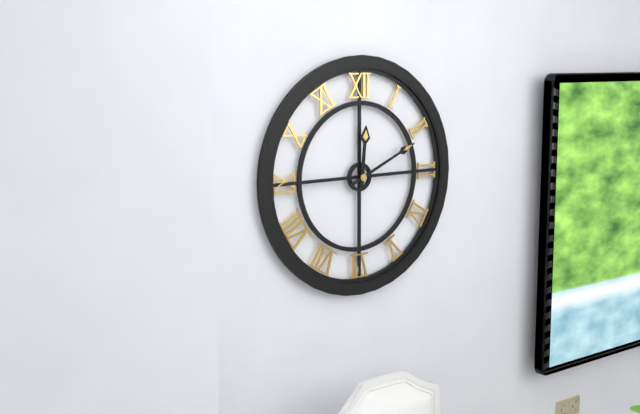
12:11
